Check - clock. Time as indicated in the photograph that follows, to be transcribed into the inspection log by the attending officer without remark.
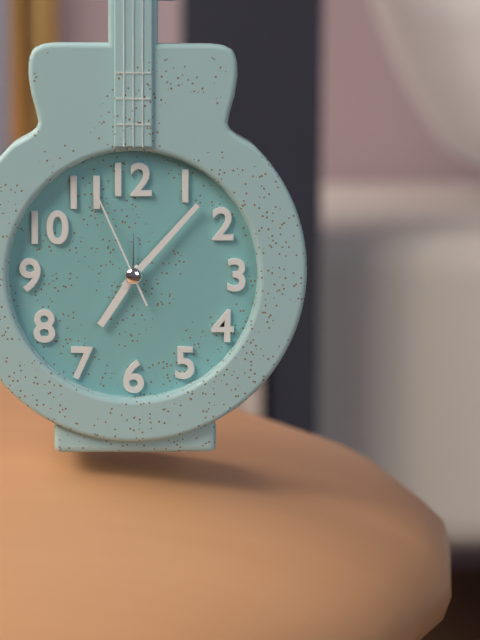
7:07:56
